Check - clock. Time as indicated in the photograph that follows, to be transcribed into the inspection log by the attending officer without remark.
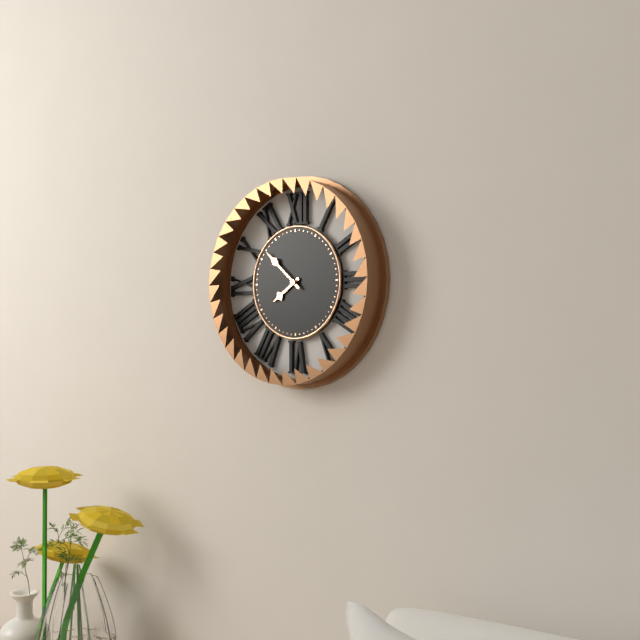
7:52
